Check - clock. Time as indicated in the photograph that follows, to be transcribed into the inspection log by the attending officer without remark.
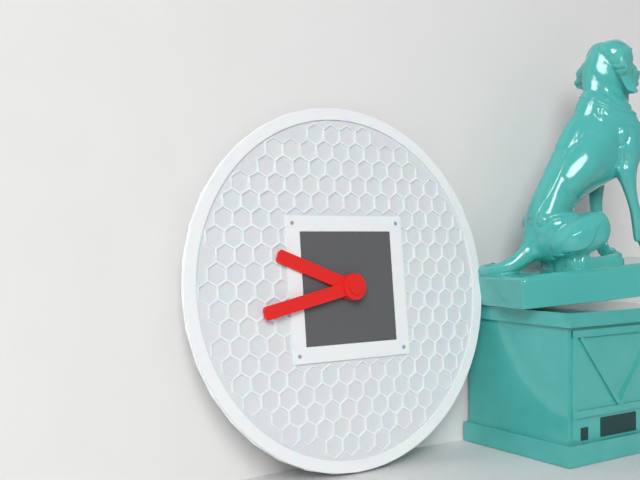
9:43
